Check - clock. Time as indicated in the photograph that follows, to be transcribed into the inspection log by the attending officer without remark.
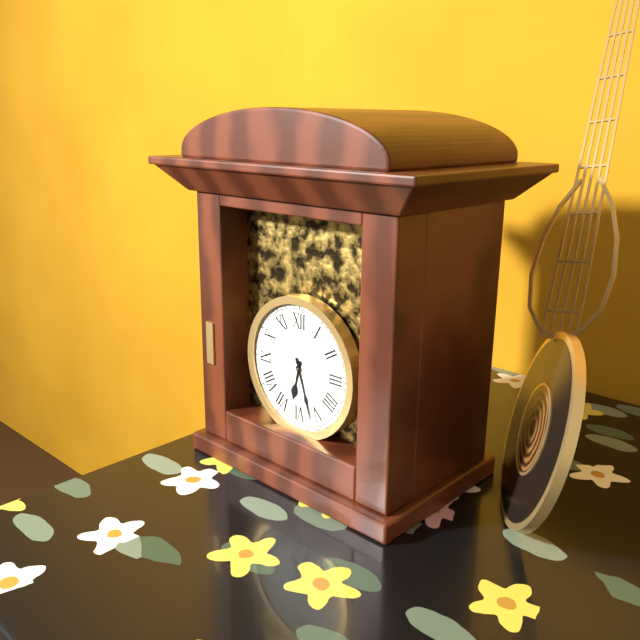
6:27
